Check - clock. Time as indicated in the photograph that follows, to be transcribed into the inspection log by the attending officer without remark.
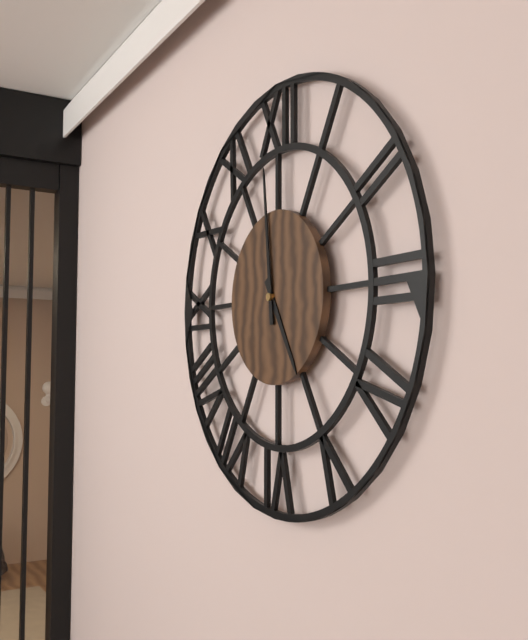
4:59
